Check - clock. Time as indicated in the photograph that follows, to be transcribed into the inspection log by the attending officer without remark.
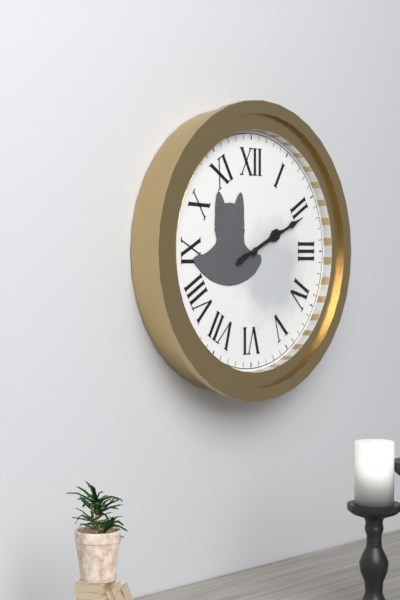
2:11
